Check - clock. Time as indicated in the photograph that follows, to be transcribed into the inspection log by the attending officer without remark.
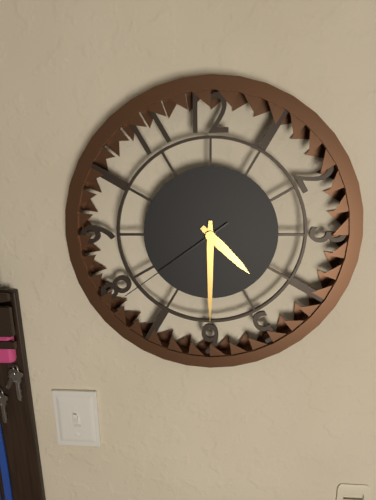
4:30:39
